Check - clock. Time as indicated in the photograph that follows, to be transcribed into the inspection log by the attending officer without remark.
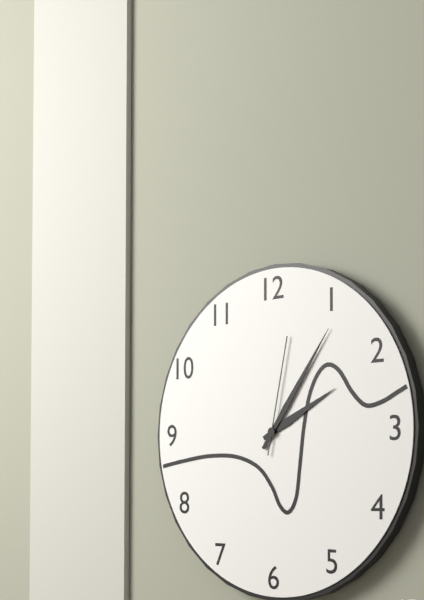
2:06:02
